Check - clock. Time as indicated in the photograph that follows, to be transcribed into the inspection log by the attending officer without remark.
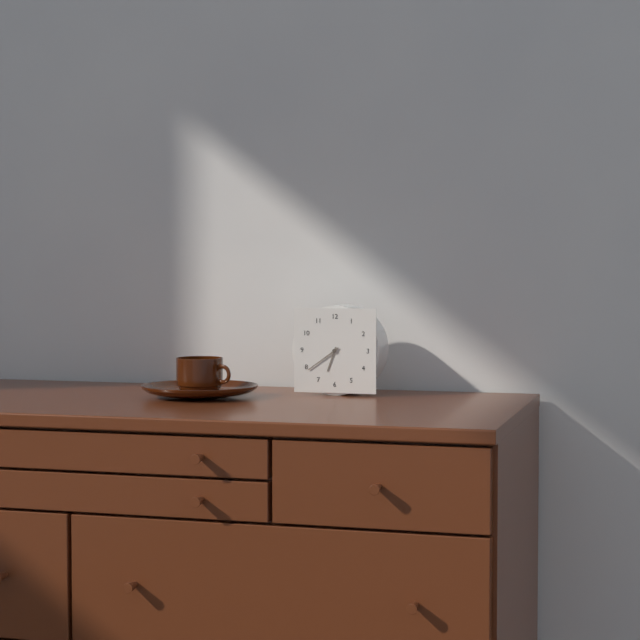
6:39
